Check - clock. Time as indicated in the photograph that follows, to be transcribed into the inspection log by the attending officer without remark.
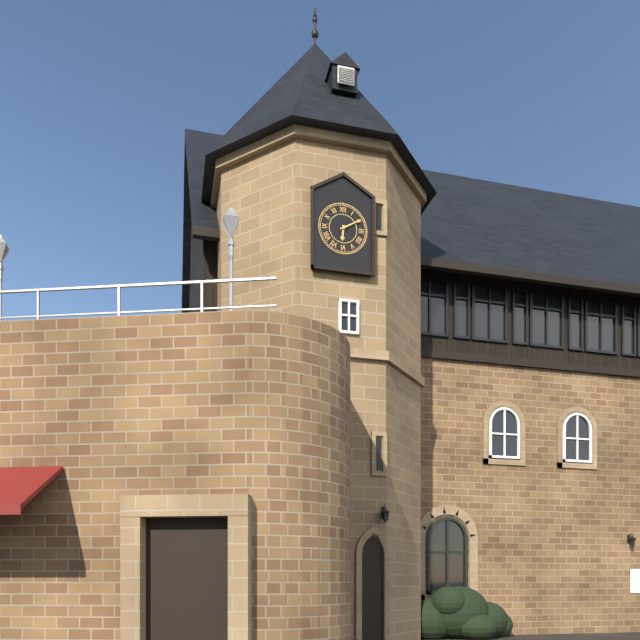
6:10
